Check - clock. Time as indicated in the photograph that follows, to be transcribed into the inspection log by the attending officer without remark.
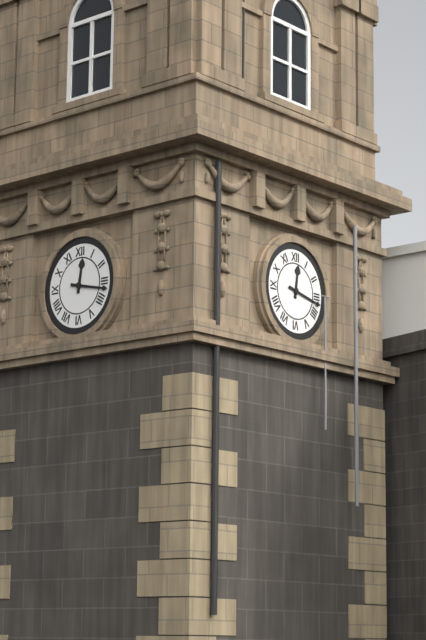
12:17
